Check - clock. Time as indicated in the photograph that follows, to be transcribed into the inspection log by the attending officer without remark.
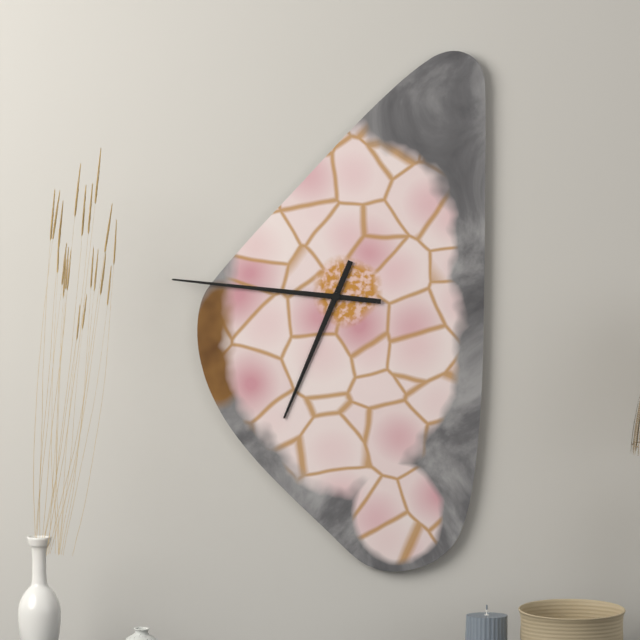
6:46
